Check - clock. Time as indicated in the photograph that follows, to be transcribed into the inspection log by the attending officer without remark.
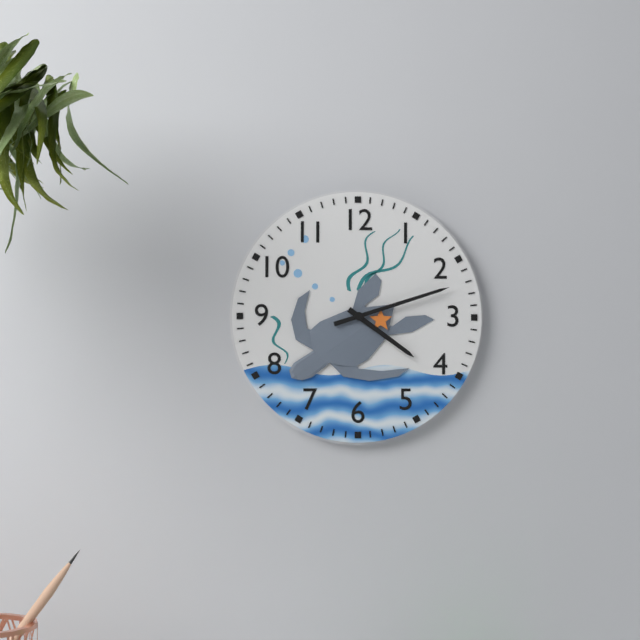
4:12
